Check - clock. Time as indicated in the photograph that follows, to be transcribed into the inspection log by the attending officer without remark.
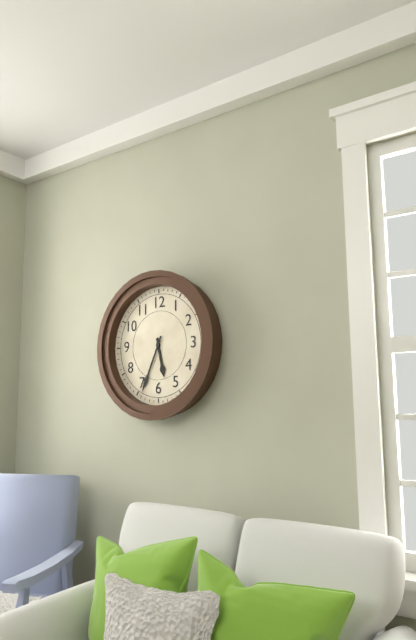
5:34
